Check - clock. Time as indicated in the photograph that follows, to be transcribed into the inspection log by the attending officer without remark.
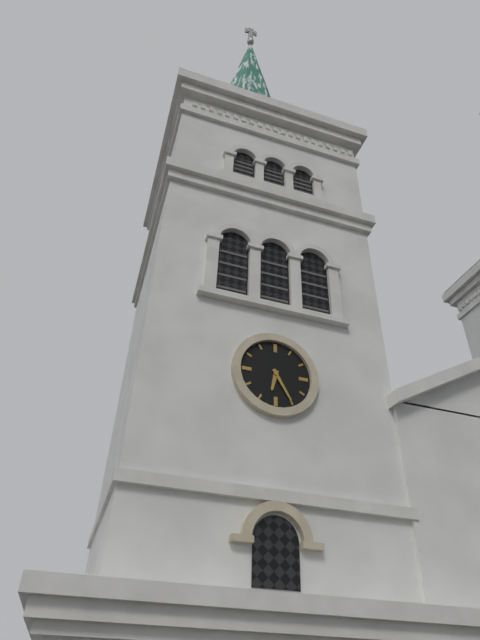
6:25
